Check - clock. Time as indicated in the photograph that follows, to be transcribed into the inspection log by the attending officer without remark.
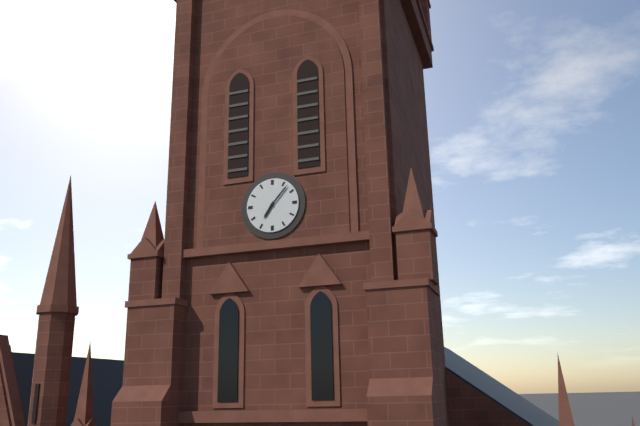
7:07
